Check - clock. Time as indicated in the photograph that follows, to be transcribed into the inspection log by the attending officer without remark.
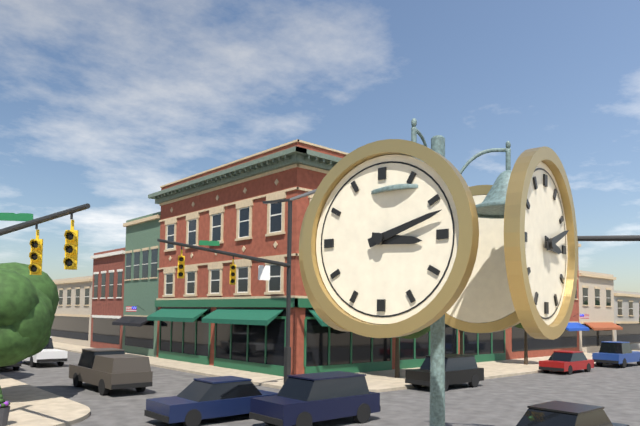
3:12
